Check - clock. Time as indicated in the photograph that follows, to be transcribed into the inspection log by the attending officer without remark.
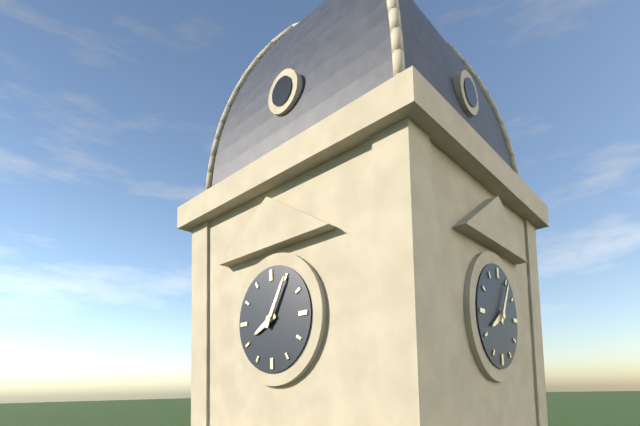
8:05
